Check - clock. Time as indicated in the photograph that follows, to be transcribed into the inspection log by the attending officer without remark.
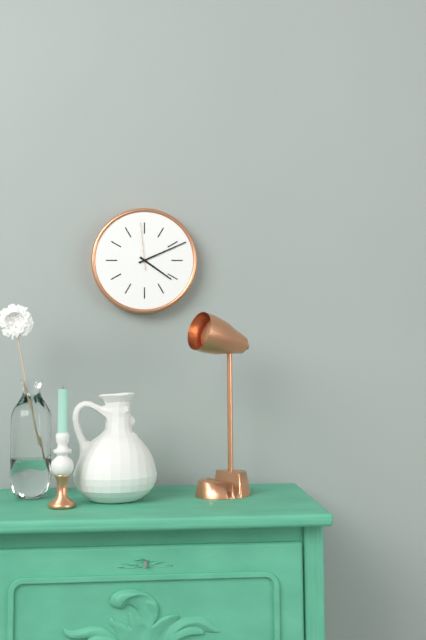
4:11:59
